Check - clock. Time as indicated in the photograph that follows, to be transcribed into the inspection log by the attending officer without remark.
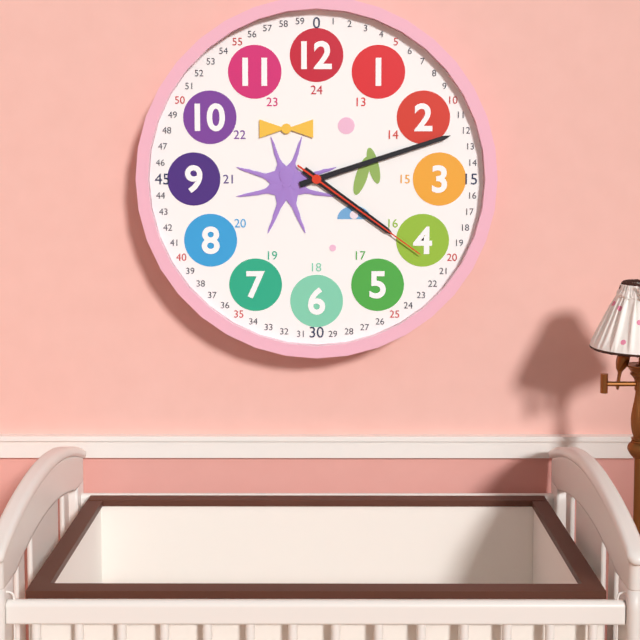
4:12:21
